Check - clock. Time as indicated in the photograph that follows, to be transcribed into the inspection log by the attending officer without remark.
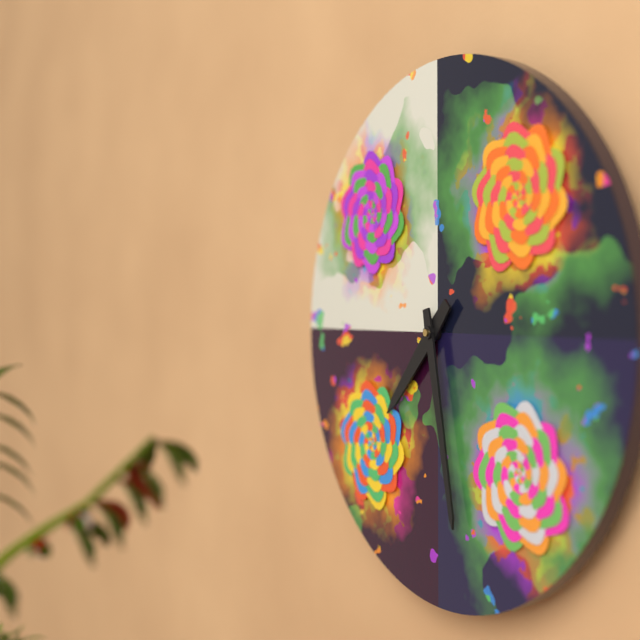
7:28
